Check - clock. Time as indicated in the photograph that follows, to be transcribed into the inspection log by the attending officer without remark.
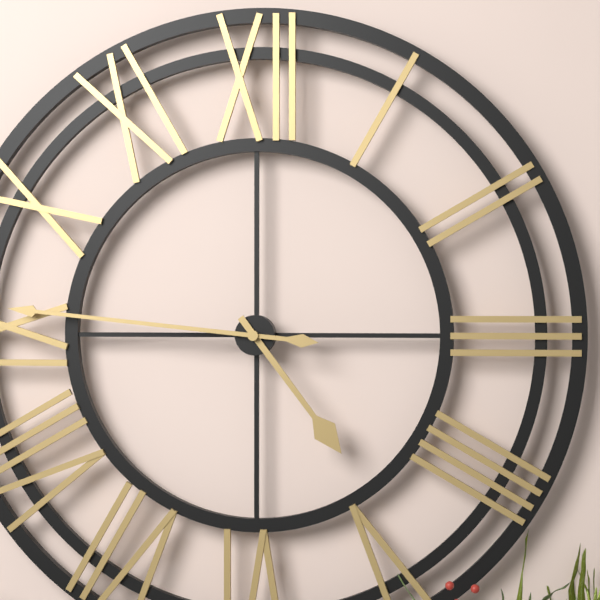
4:46
